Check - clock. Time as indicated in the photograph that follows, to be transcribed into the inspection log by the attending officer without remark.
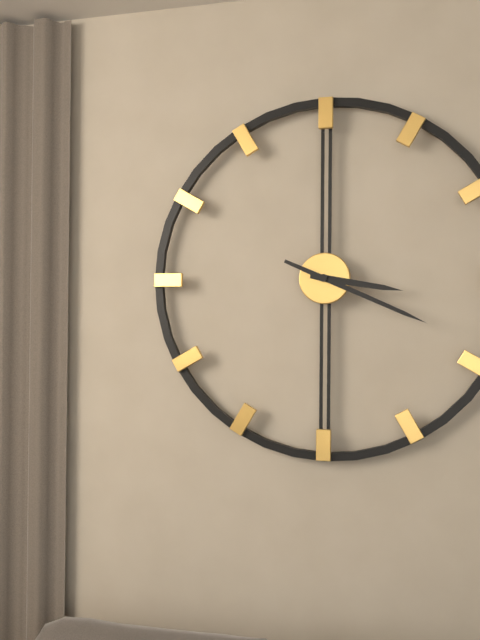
3:19
